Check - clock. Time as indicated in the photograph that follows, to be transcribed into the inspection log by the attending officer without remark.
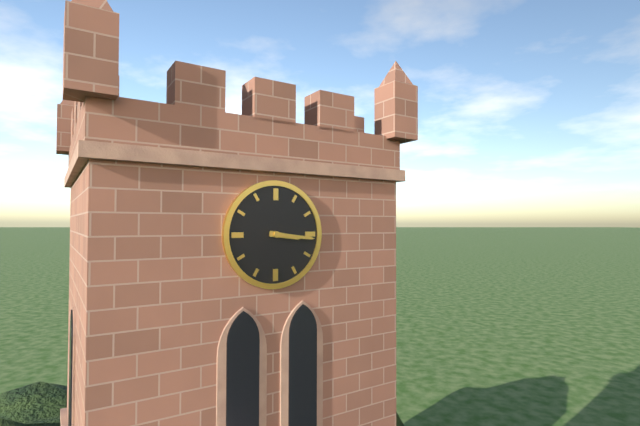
3:16
